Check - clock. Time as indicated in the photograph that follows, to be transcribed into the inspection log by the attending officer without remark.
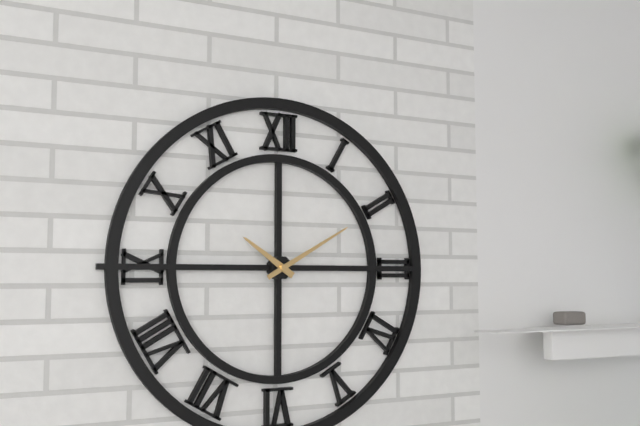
10:10
